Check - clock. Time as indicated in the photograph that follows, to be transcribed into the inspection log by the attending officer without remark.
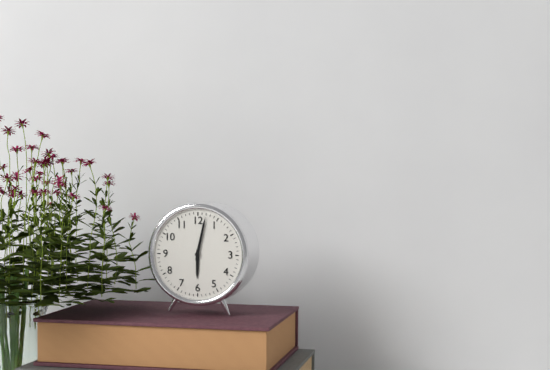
6:02
